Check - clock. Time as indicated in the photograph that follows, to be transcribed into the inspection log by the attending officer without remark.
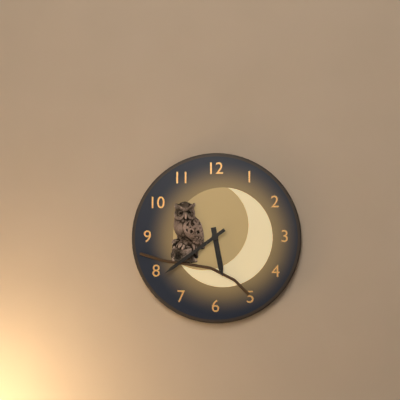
5:39
